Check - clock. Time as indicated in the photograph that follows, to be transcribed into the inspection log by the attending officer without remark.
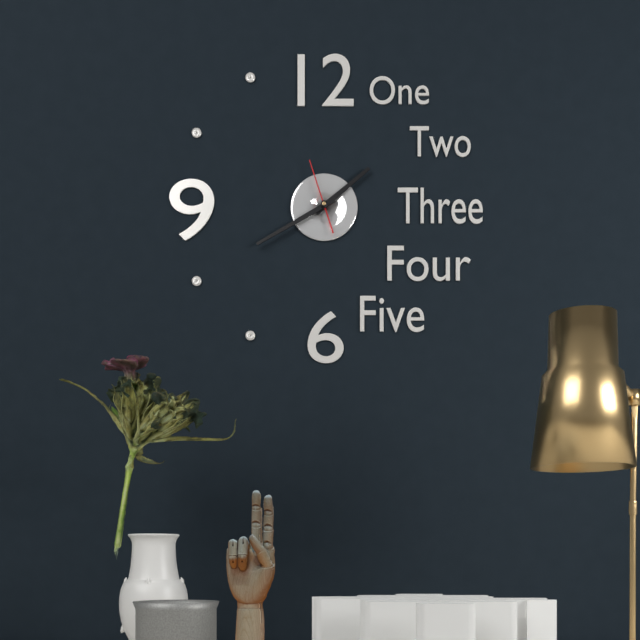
1:40:57
